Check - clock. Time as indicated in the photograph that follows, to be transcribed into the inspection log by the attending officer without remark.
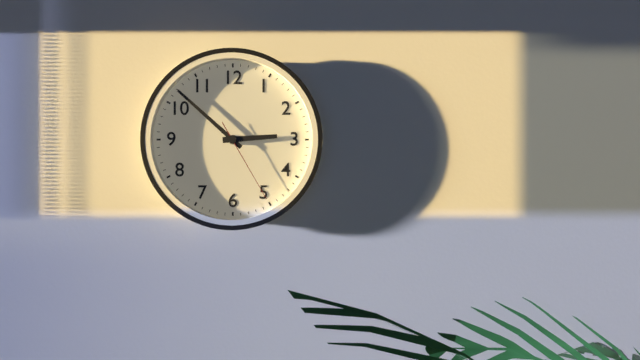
2:52:25
